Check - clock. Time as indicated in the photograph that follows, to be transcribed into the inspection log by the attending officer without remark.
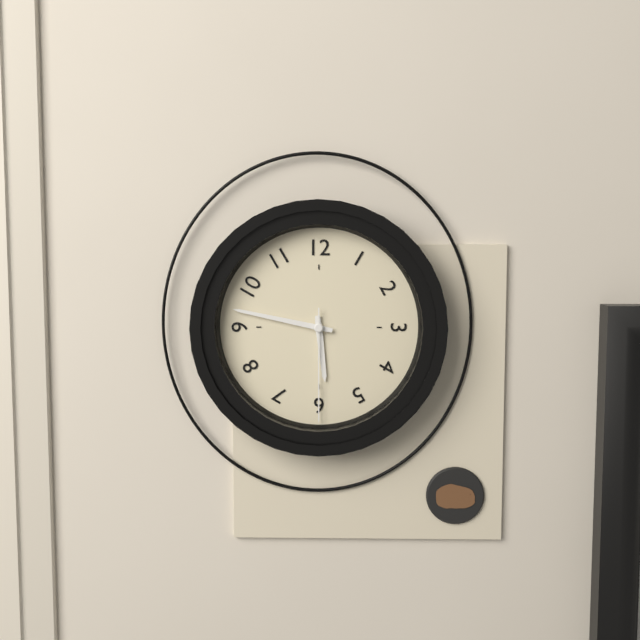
5:47:30
